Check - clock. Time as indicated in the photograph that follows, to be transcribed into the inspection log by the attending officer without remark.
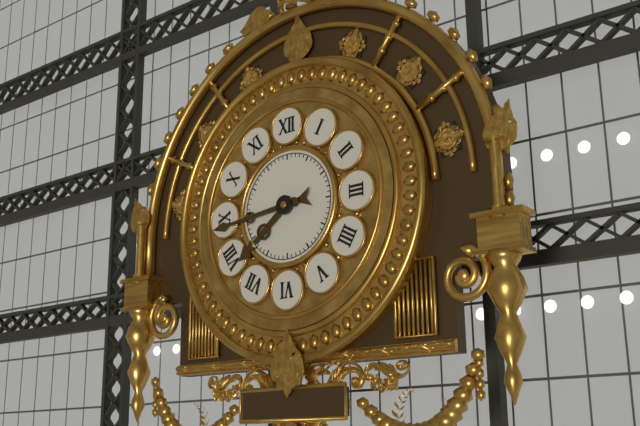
7:44
